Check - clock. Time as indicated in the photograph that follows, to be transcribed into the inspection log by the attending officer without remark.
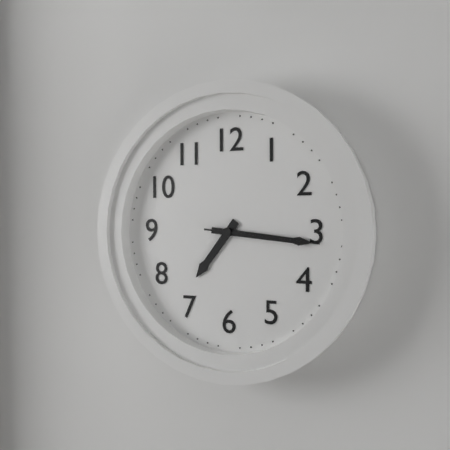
7:16:16
